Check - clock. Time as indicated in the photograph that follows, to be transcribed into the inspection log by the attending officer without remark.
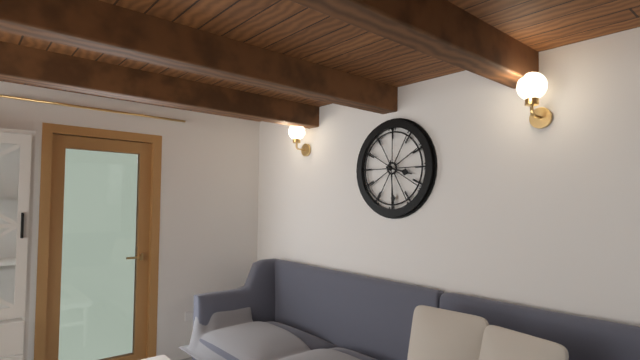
3:29
